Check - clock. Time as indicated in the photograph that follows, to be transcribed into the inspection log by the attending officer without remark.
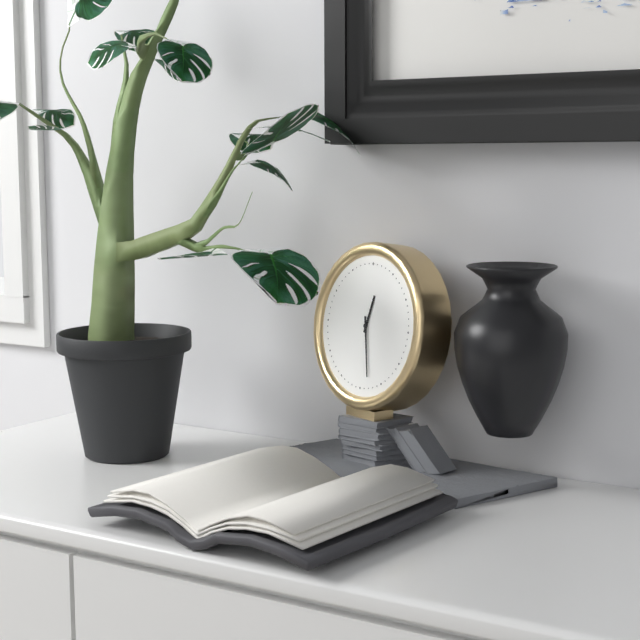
12:28
